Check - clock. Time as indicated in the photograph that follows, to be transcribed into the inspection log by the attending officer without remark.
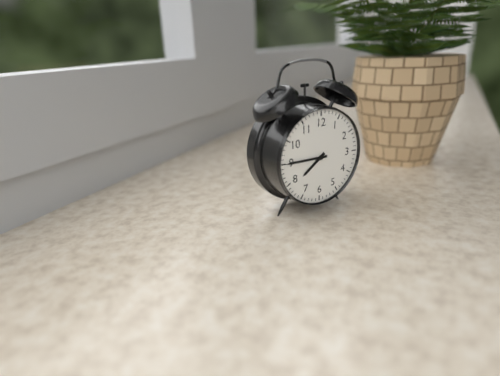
7:45
